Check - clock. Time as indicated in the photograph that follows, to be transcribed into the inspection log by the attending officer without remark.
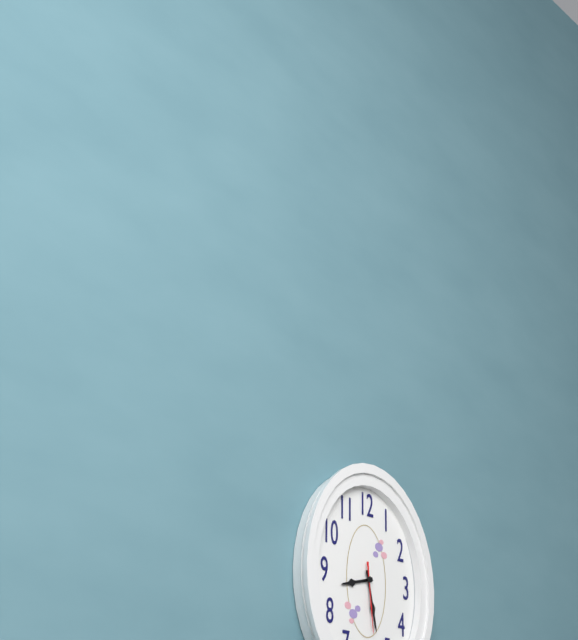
8:28:29
